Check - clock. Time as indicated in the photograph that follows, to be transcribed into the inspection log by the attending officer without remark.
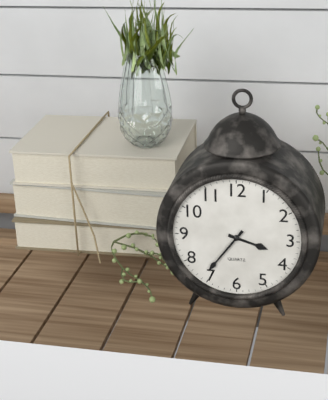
3:36
